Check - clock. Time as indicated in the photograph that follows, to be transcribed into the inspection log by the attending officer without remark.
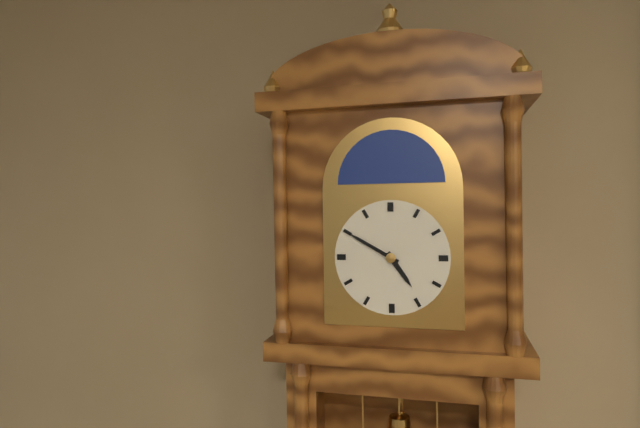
4:50
